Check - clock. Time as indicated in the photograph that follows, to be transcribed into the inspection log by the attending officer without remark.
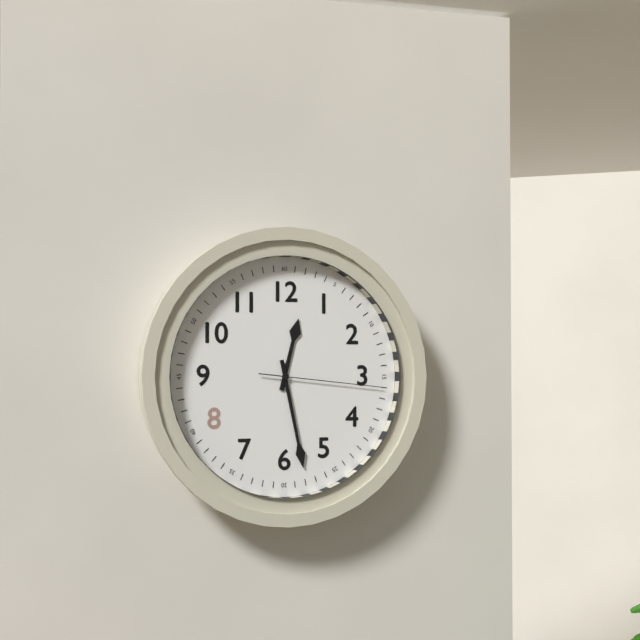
12:28:16
